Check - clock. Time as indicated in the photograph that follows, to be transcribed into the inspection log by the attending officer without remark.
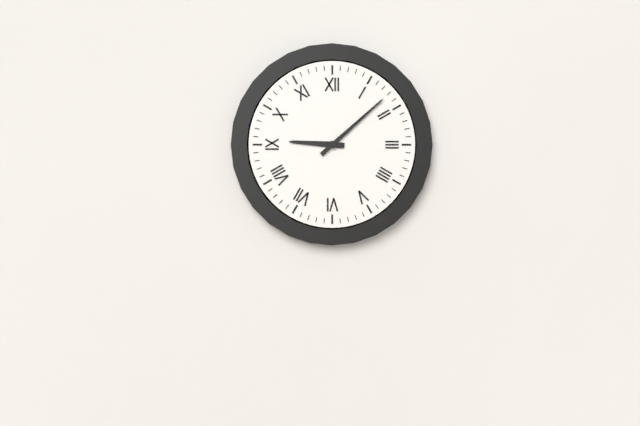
9:08
